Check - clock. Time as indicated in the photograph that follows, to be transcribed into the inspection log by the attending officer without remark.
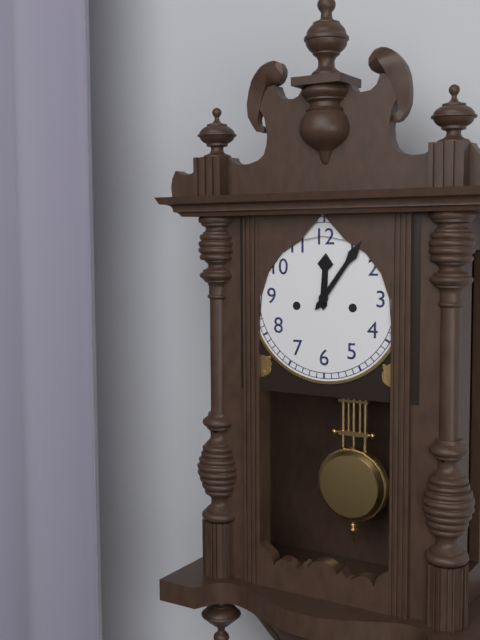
12:06
